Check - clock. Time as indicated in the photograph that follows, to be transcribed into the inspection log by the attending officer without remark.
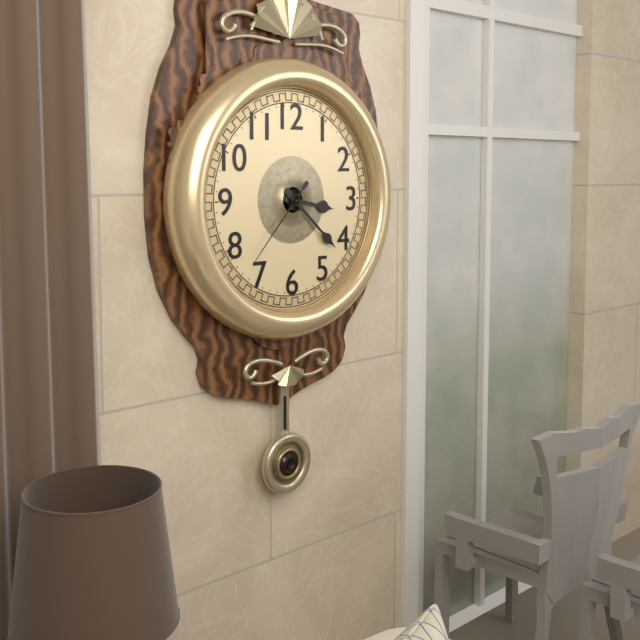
3:22:37
